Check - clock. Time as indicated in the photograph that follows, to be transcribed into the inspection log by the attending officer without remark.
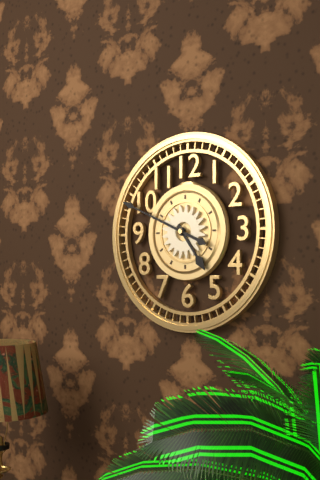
4:49
